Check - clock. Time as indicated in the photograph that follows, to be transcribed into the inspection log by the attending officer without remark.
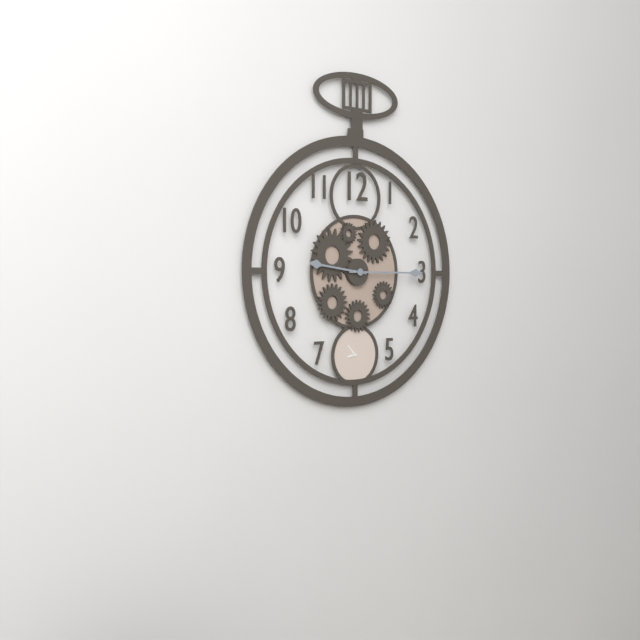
9:15
